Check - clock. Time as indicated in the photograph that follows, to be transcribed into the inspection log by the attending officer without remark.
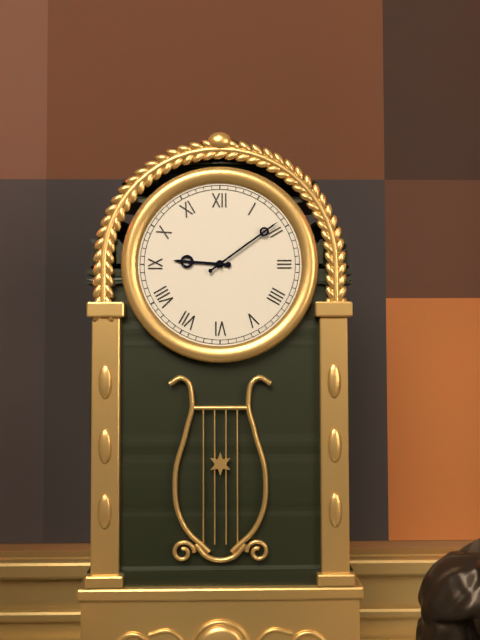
9:09
